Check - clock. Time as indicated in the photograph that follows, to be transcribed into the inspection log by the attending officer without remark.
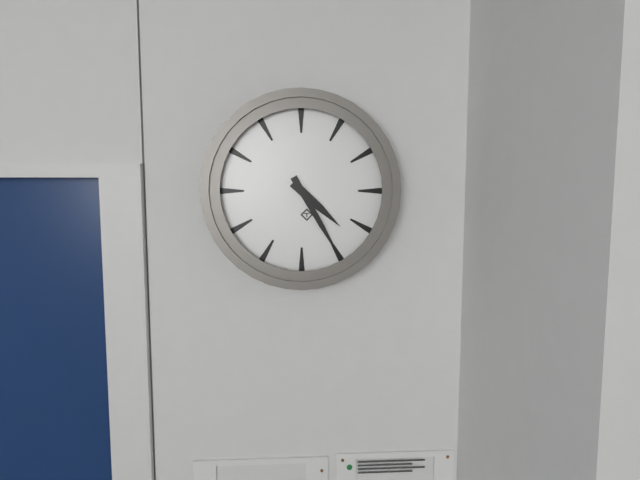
4:25
